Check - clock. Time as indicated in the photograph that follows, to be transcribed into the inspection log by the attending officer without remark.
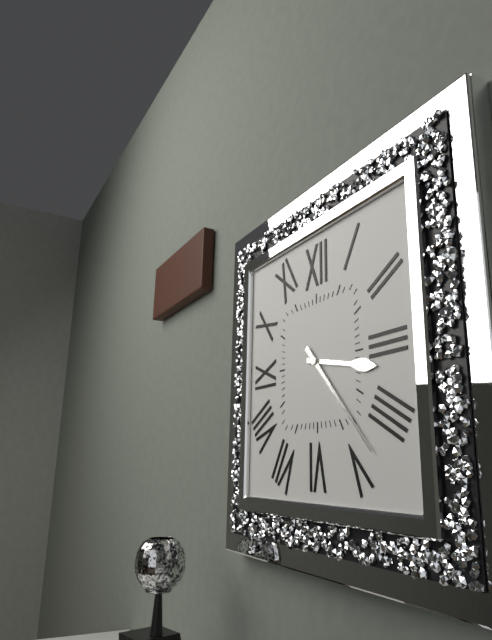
3:23
